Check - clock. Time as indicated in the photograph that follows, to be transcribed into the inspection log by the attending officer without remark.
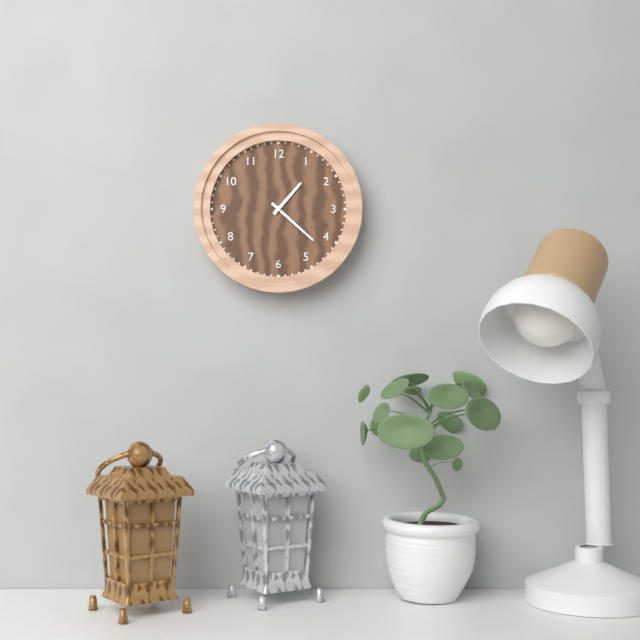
1:22
